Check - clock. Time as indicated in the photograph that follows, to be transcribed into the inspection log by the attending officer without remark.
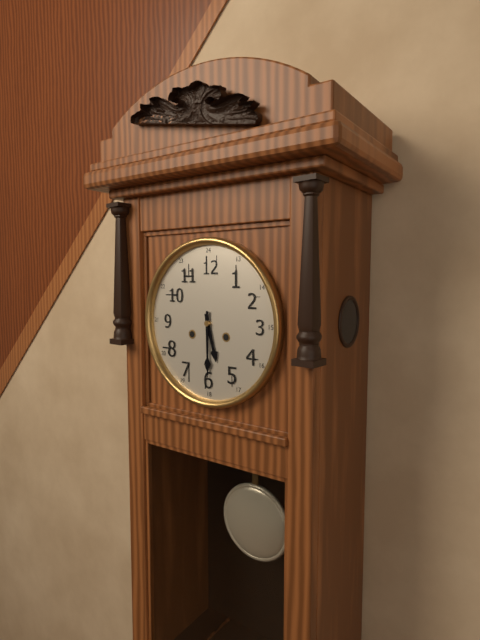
5:30
